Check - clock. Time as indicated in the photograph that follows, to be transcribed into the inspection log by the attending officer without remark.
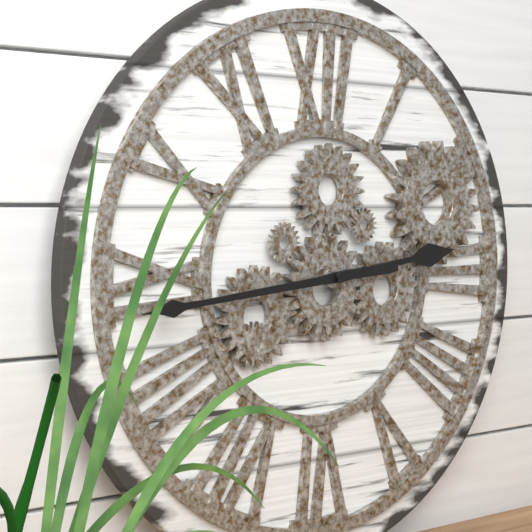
2:44
